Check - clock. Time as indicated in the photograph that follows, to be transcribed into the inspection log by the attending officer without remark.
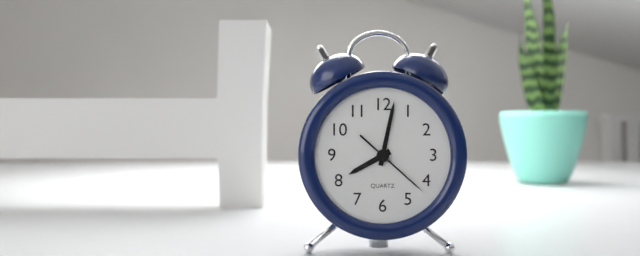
8:02:22
